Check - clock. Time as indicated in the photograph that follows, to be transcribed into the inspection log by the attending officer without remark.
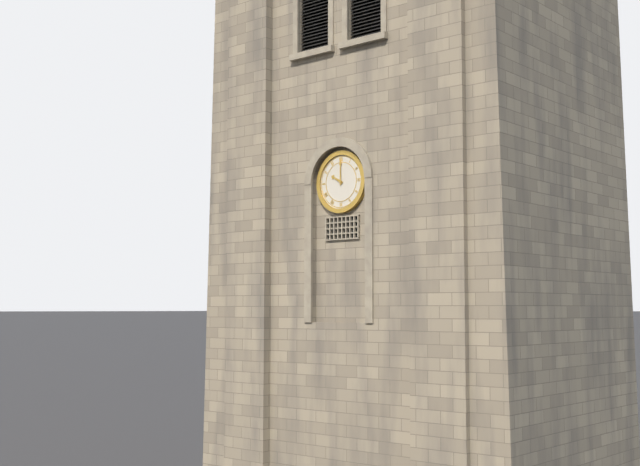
10:00
